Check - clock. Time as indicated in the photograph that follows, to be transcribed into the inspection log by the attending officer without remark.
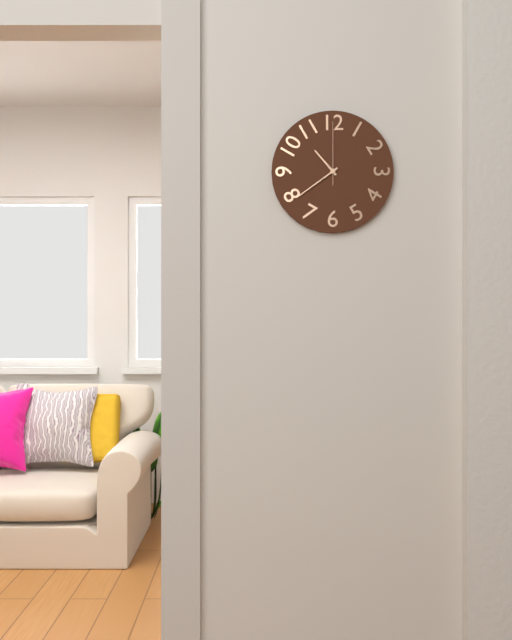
10:39:00
